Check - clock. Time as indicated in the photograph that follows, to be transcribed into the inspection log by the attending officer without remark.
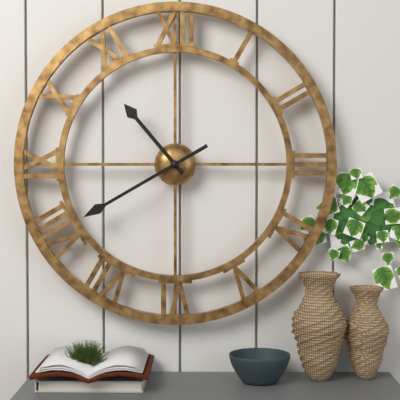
10:40
